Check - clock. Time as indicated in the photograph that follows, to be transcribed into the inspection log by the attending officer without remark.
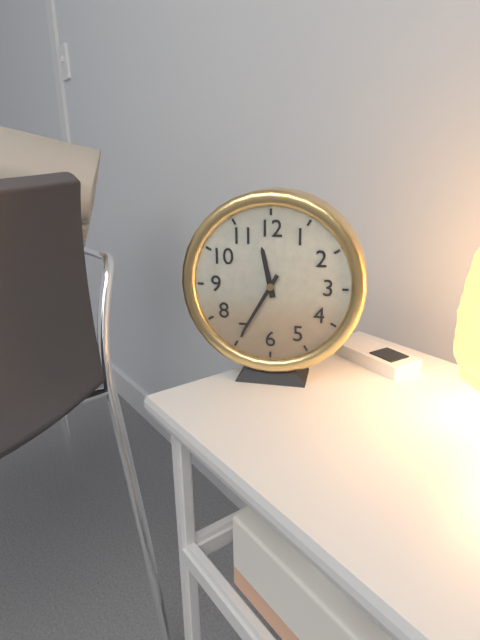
11:35
